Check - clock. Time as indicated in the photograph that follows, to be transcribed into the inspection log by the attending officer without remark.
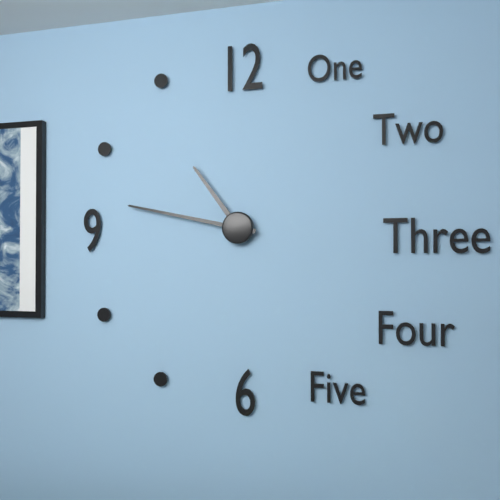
10:47
